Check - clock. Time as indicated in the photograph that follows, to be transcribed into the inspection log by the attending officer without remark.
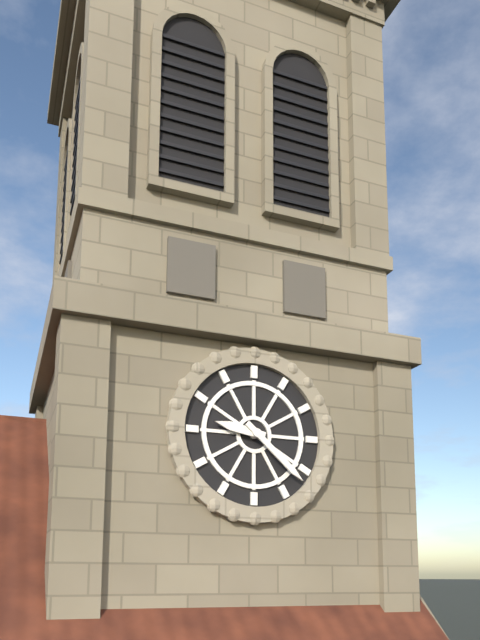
9:22
